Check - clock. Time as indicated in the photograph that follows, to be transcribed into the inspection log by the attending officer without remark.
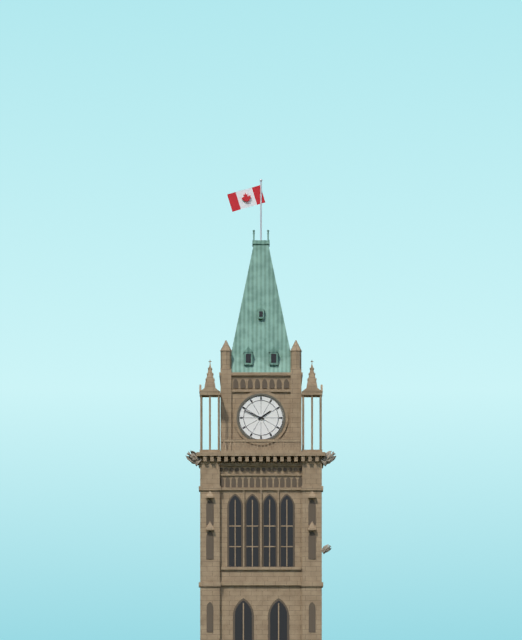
1:49
